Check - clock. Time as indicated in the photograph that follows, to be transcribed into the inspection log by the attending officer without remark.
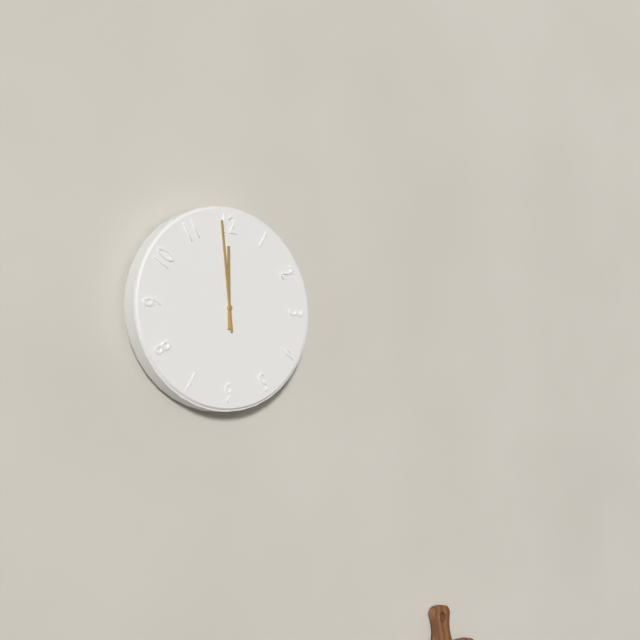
11:59
